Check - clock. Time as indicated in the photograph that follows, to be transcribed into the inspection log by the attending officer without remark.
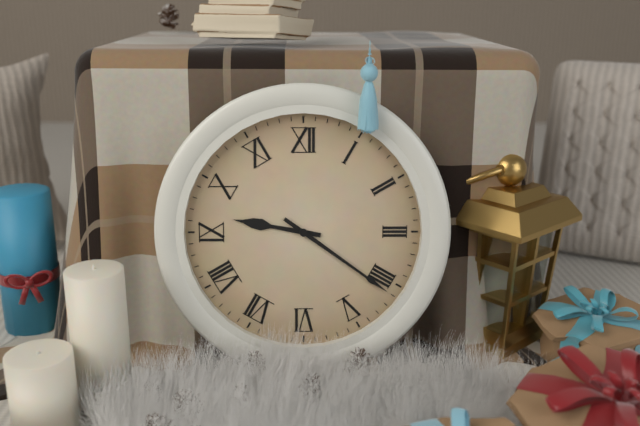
9:21
